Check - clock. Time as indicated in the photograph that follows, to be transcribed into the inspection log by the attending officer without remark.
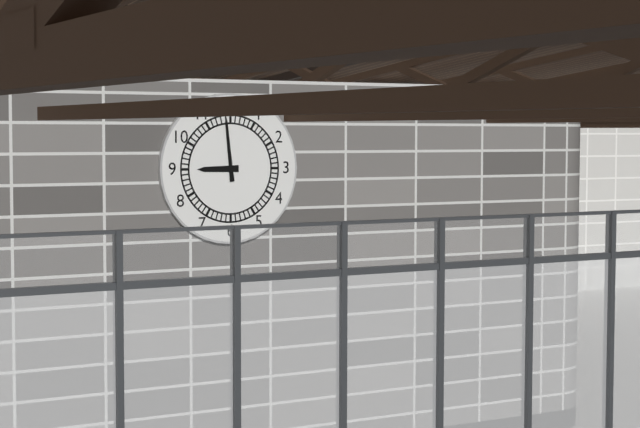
8:59
